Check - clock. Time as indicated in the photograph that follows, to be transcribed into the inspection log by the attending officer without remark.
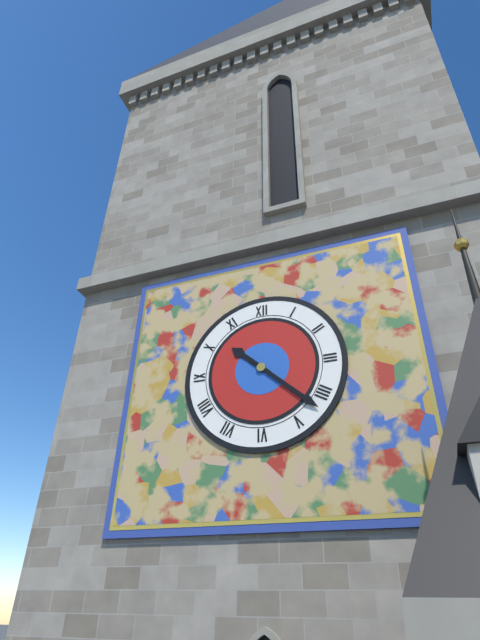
10:22
